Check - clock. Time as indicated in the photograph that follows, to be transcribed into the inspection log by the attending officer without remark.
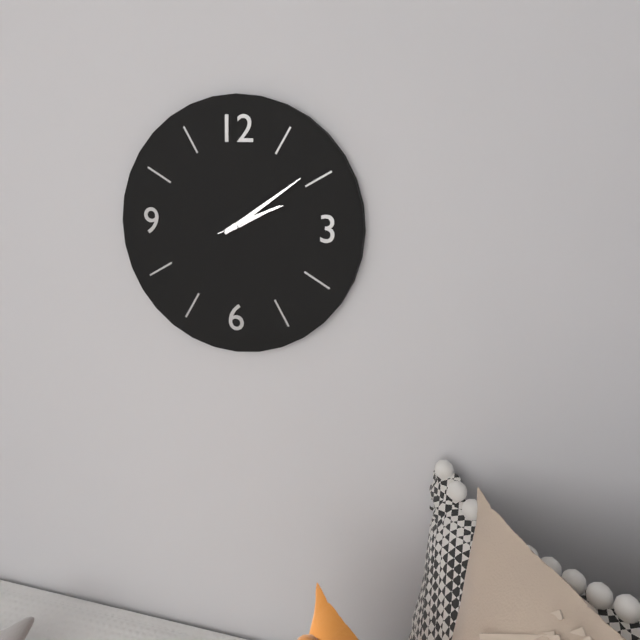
2:09:11
